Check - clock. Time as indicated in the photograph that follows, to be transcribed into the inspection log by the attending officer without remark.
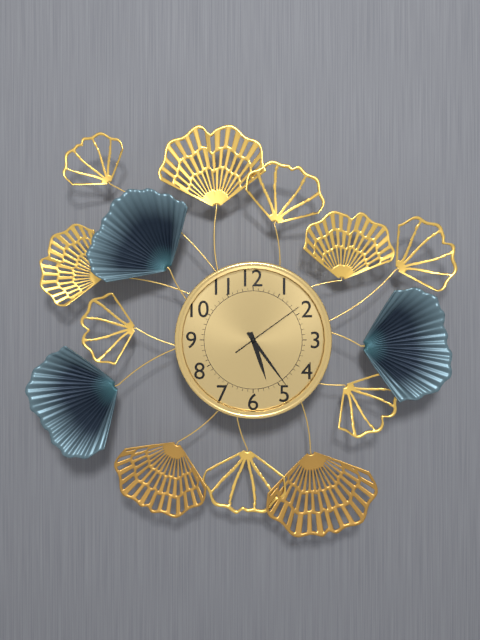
5:24:09
